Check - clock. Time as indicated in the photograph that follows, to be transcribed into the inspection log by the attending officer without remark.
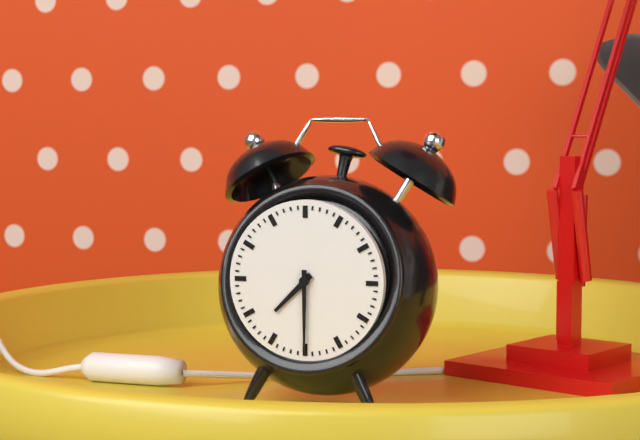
7:30
